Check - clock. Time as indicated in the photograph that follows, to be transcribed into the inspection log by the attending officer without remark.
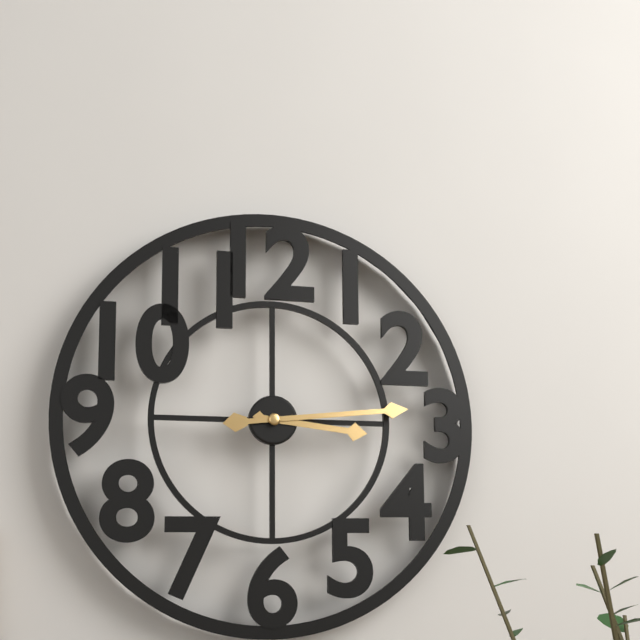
3:14
